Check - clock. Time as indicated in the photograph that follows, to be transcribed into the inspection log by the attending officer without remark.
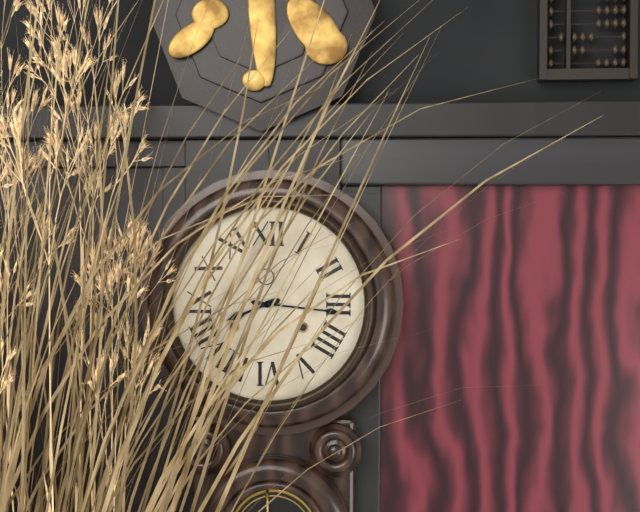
8:16
